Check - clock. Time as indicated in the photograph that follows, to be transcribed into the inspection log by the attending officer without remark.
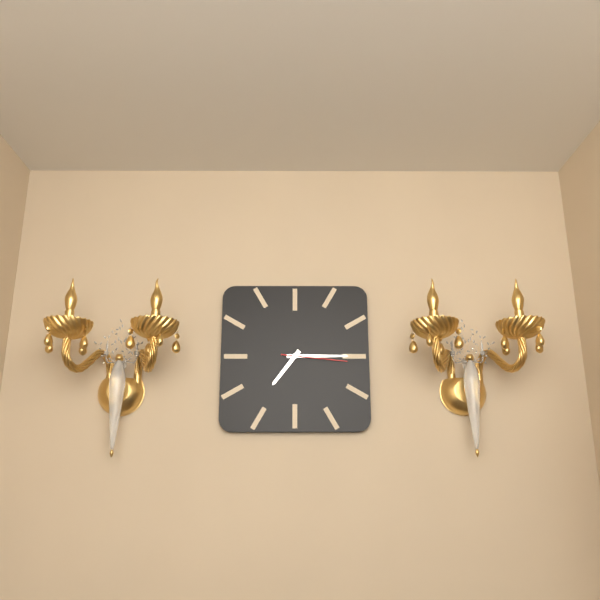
7:15:16
